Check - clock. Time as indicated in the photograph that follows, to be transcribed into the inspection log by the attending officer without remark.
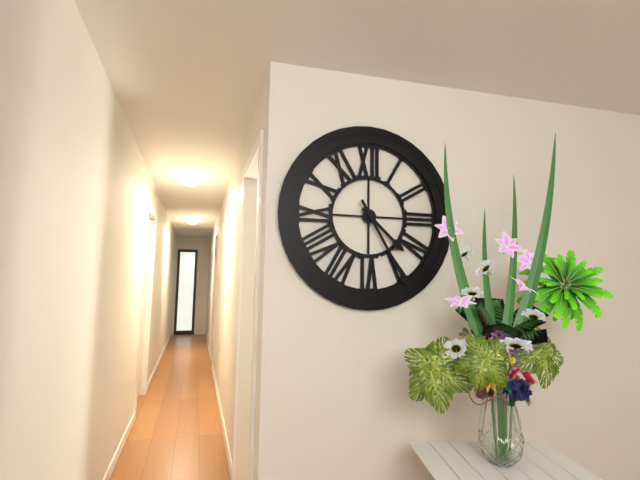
4:25
